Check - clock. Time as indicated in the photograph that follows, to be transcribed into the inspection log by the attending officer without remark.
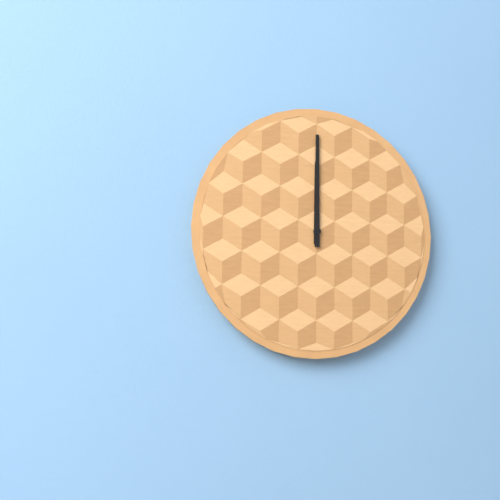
12:00
